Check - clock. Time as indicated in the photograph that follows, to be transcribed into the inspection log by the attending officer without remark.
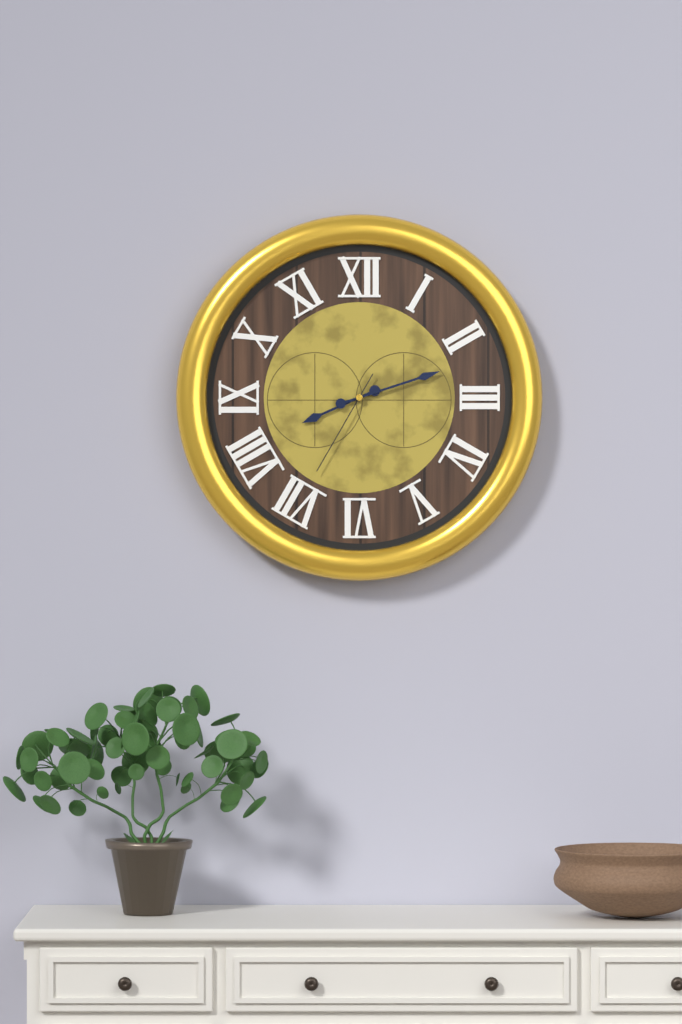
8:12:35
